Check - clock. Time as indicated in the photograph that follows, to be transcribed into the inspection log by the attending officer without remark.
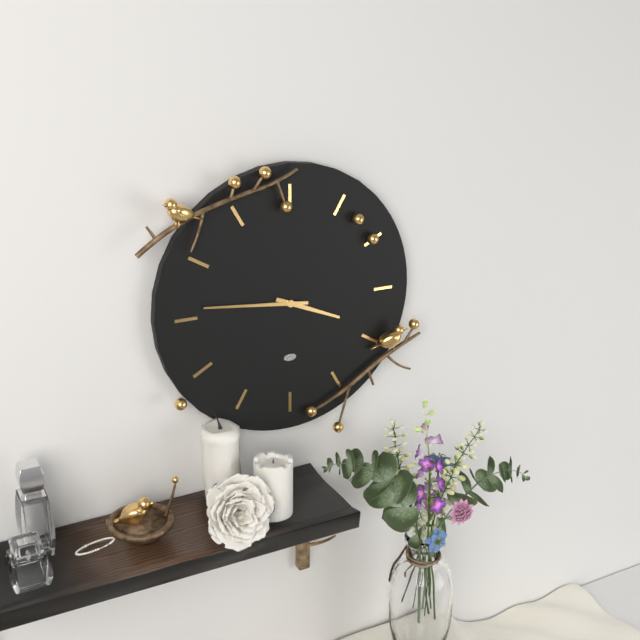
3:46
